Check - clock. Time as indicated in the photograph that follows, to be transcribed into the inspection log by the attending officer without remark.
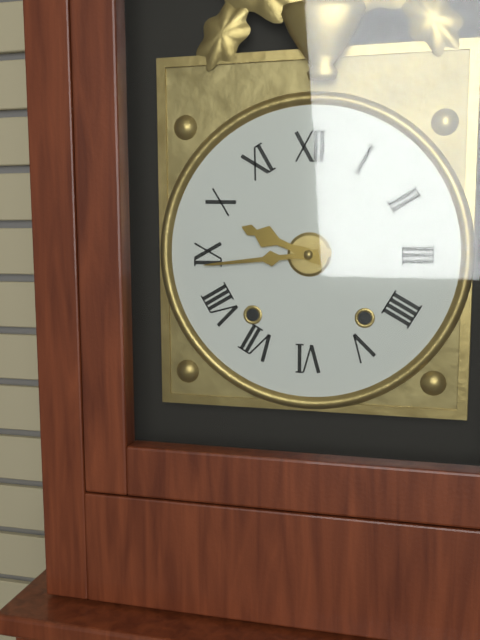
9:44
